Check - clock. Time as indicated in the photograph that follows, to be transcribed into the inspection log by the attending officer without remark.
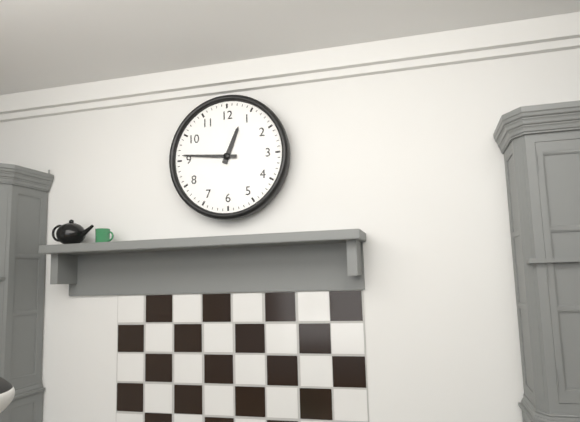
12:46
